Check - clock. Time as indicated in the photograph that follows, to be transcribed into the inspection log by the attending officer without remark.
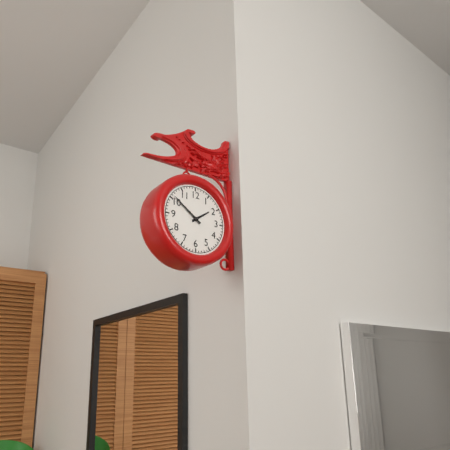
1:51
